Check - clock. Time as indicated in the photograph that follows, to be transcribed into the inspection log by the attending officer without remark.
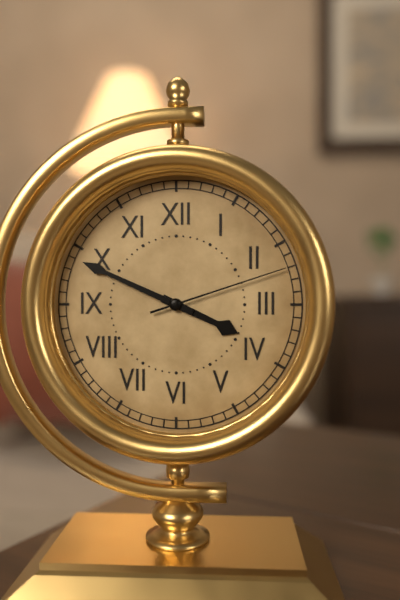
3:49:12
